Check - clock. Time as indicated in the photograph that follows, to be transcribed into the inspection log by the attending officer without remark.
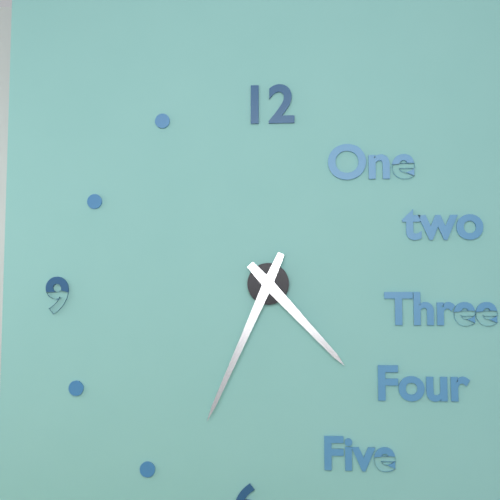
4:34
